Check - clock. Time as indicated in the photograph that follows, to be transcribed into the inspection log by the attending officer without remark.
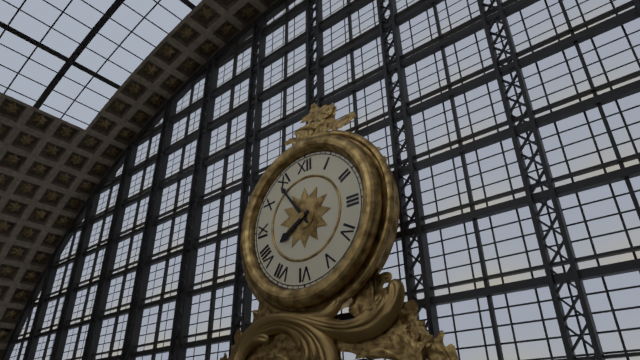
7:54
